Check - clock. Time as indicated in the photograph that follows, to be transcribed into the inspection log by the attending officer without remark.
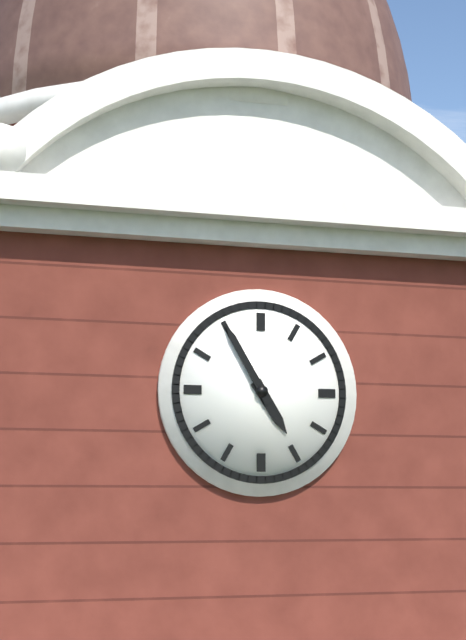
4:55
